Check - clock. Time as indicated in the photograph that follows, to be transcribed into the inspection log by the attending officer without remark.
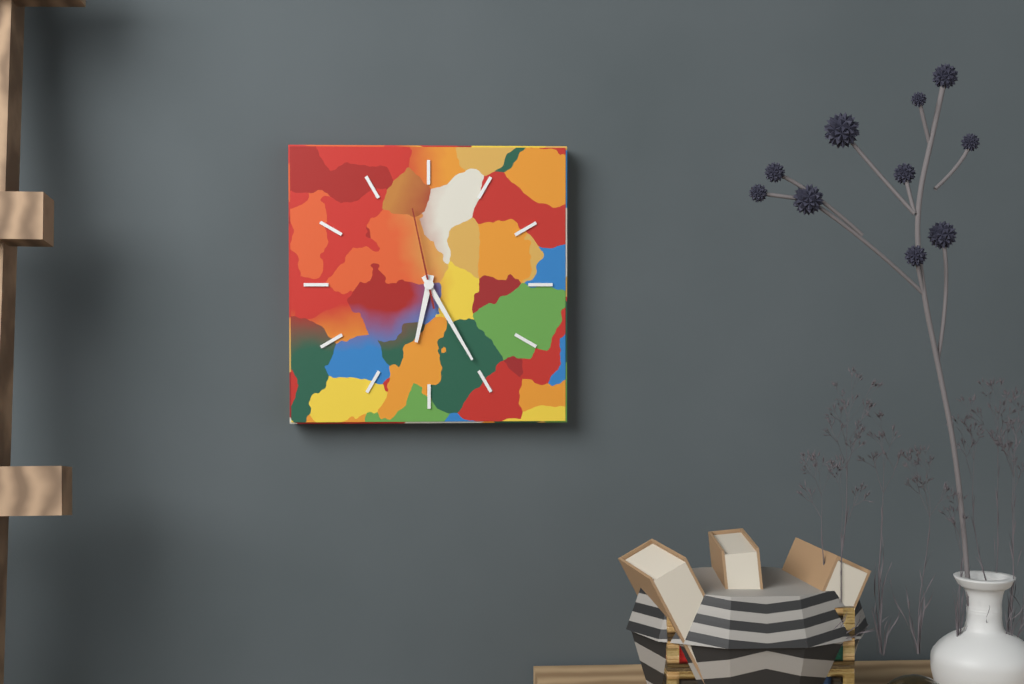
6:25:58
